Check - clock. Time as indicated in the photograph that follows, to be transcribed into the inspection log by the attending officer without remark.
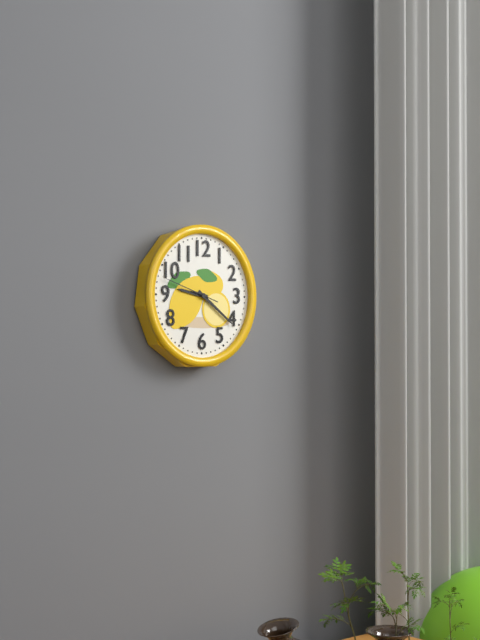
9:21:48
